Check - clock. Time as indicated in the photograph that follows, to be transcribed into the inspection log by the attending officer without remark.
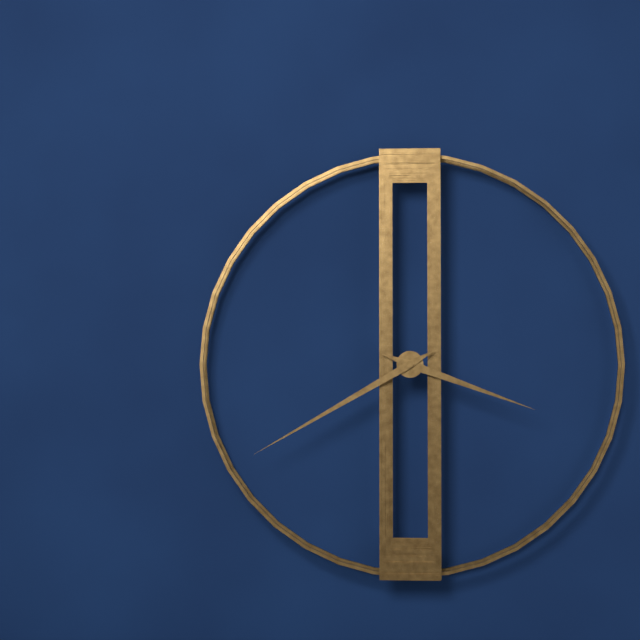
3:40
